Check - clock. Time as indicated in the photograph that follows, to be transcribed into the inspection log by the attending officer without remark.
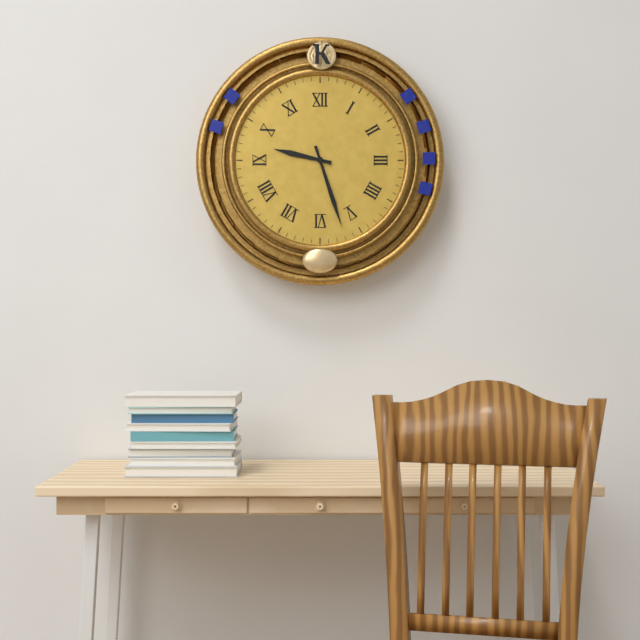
9:27
